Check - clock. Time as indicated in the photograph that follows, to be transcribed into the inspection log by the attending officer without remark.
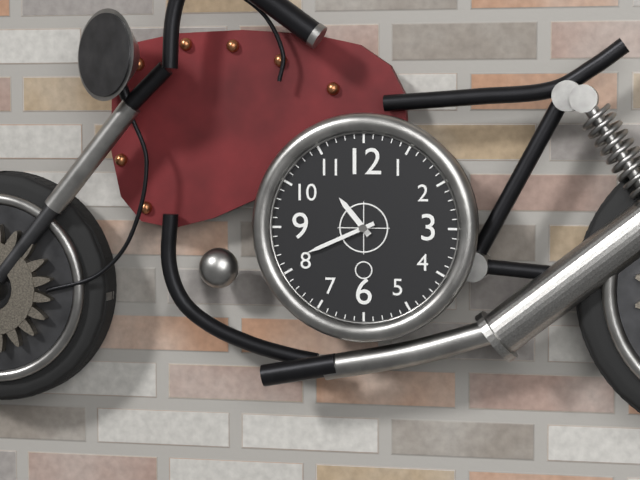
10:41
